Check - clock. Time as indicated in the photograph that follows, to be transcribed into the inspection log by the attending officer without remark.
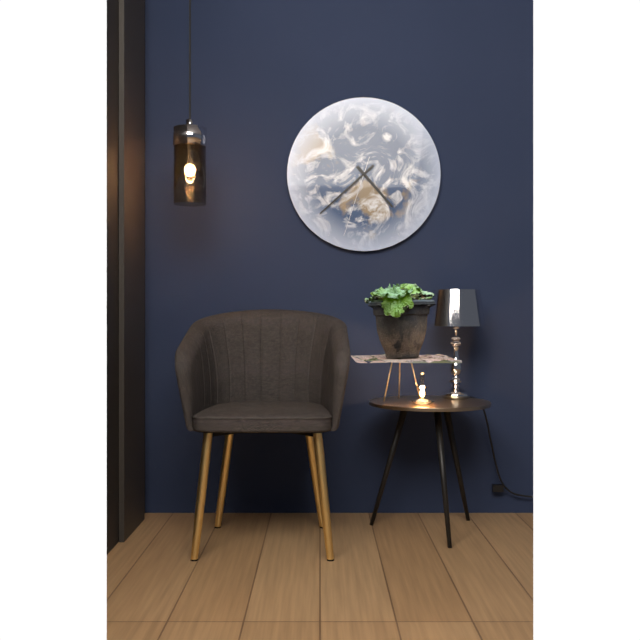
4:38:33
